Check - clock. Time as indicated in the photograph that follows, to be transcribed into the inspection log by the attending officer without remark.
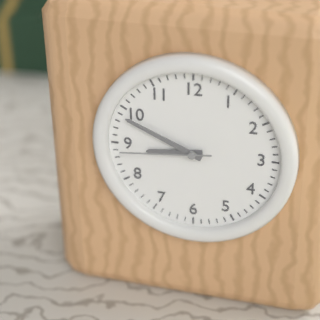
8:49:44
